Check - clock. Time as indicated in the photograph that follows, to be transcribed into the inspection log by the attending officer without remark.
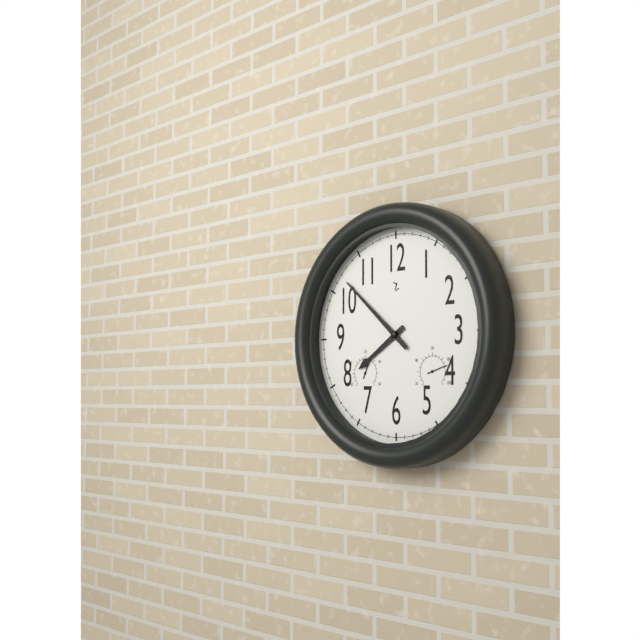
7:52
